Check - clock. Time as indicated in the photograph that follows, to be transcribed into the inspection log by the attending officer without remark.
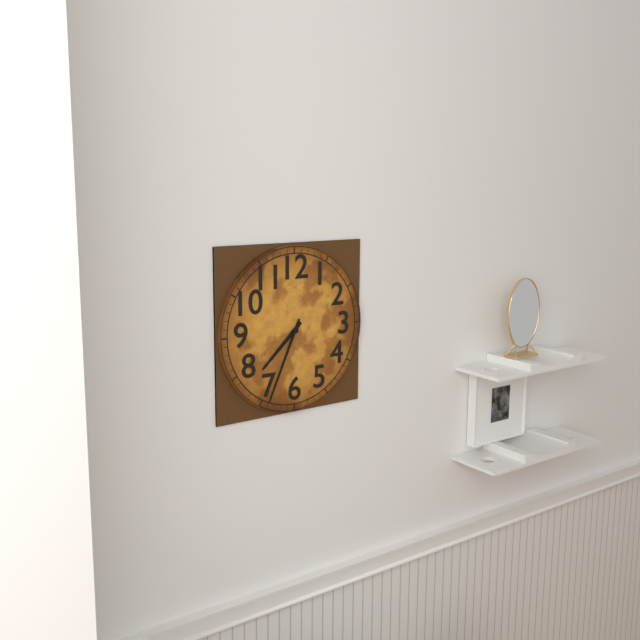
7:34
